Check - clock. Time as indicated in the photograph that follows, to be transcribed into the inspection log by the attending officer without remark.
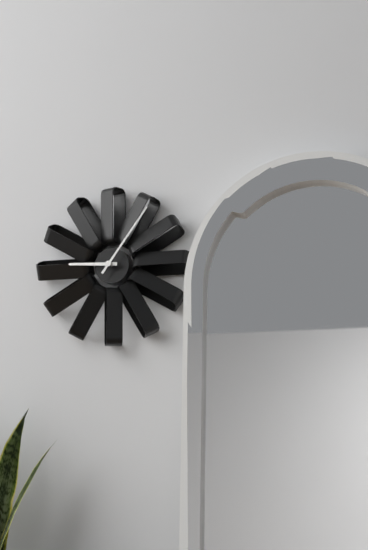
9:06
